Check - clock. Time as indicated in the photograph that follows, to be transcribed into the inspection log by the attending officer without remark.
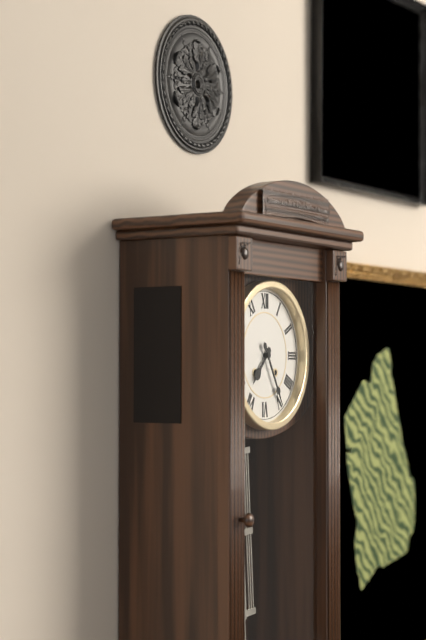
7:25
